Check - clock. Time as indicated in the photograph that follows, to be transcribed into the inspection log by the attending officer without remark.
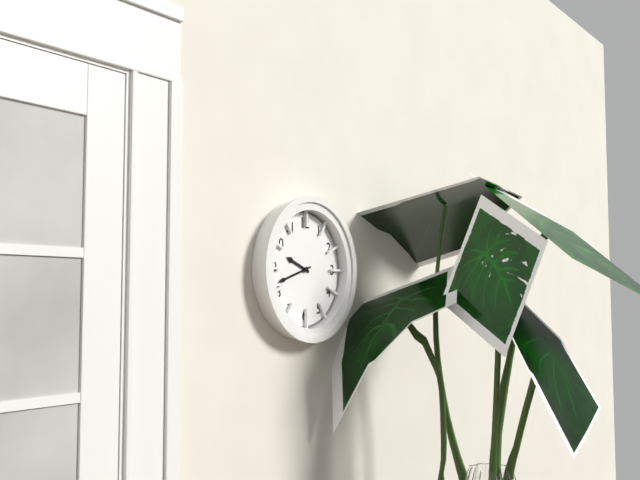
9:42
